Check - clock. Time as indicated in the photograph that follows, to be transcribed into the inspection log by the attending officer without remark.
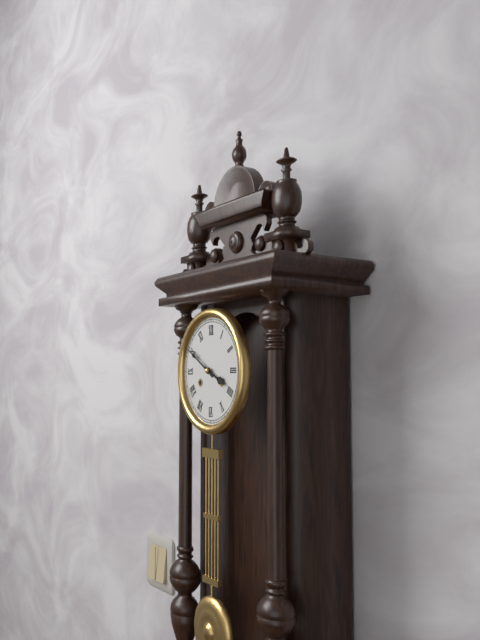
3:50
